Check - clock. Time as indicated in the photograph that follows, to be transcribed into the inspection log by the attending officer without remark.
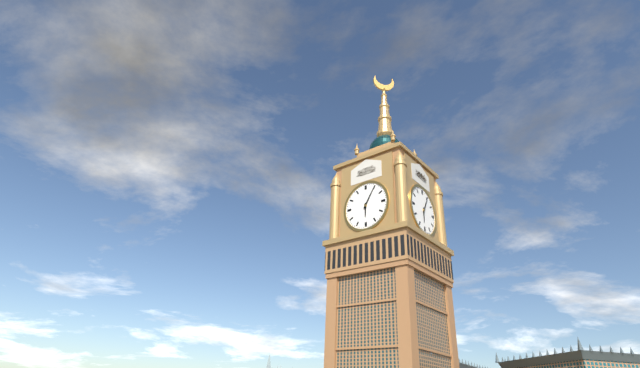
6:05
